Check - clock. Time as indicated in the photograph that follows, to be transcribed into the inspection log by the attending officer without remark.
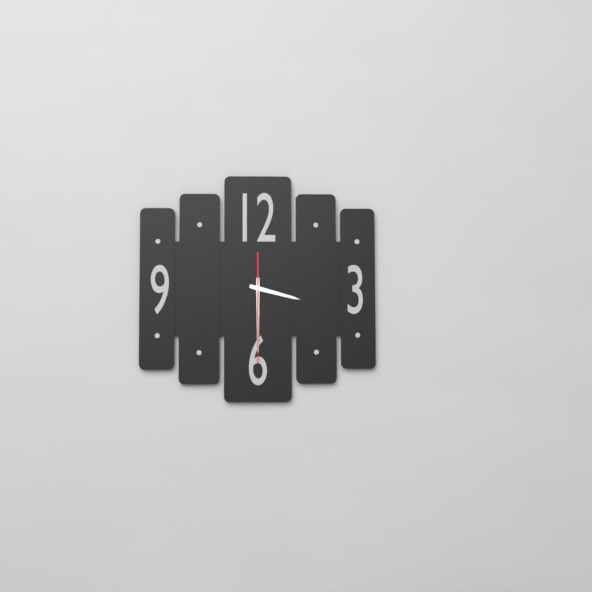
3:30:30
